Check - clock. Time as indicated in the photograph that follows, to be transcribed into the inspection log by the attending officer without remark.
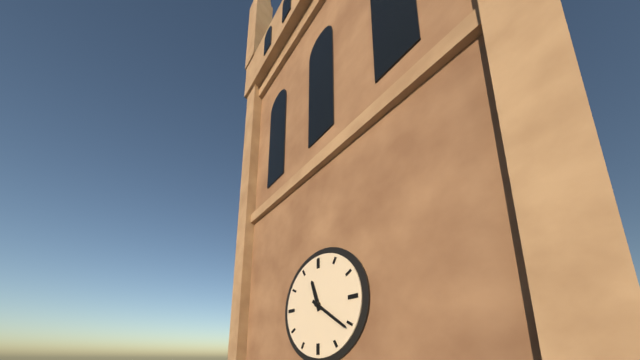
11:21
